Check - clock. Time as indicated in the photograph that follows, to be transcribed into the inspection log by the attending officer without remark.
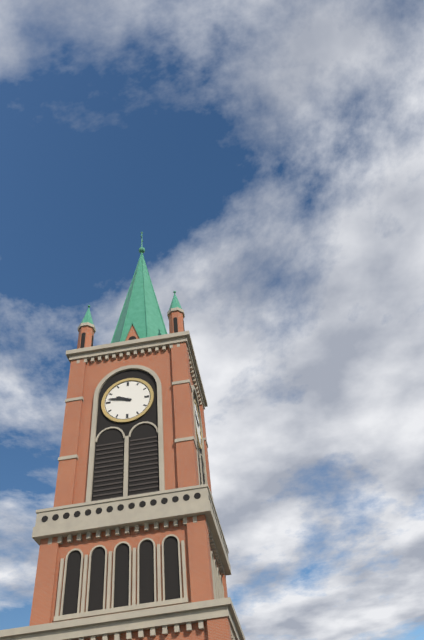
9:47
